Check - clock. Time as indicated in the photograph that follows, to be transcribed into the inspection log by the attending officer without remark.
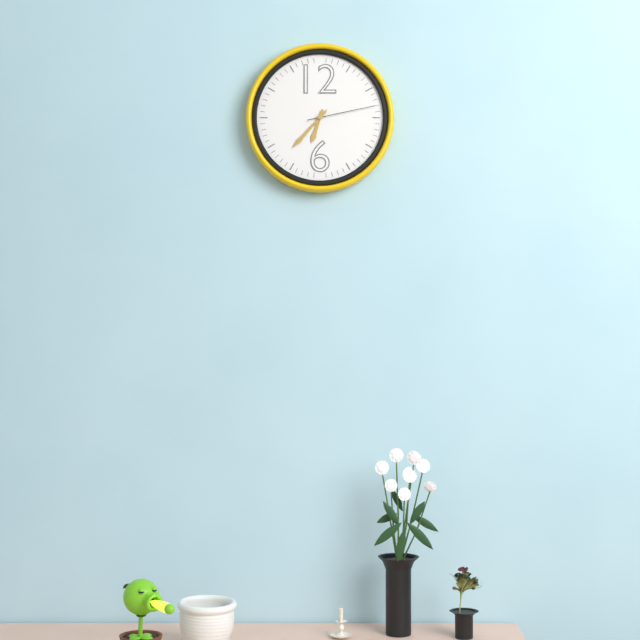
6:37:13
